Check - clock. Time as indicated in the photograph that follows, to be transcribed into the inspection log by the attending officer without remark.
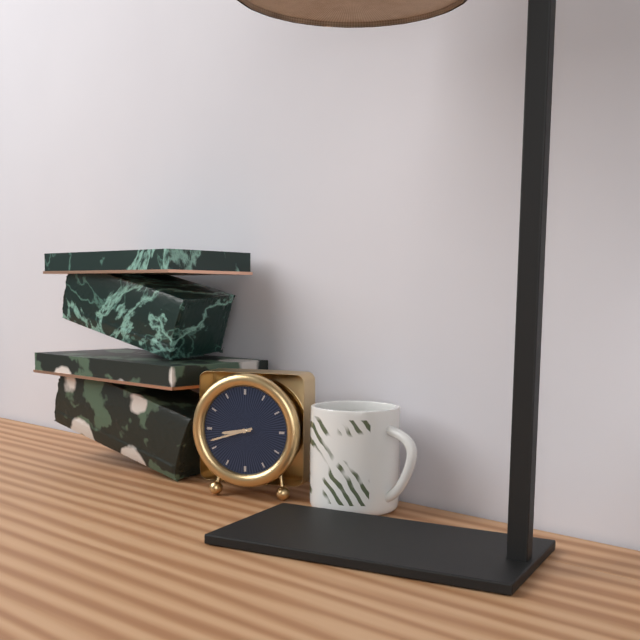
8:42
